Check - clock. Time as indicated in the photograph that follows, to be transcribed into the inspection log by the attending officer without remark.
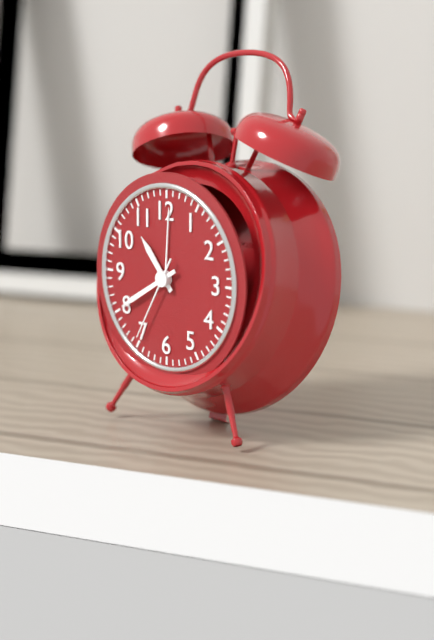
10:40:35
